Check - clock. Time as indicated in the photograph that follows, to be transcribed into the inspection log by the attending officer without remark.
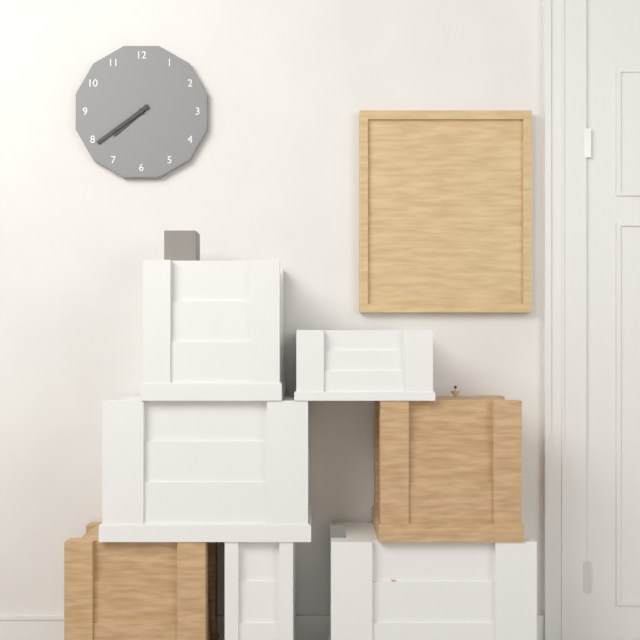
7:39
